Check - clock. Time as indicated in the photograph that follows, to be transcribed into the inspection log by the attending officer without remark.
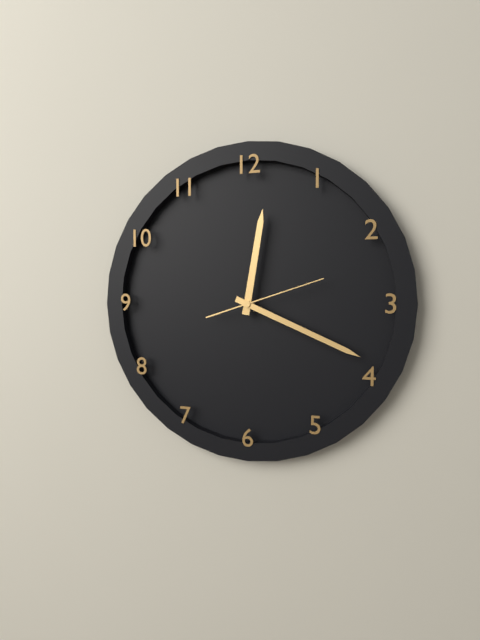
12:19:12
